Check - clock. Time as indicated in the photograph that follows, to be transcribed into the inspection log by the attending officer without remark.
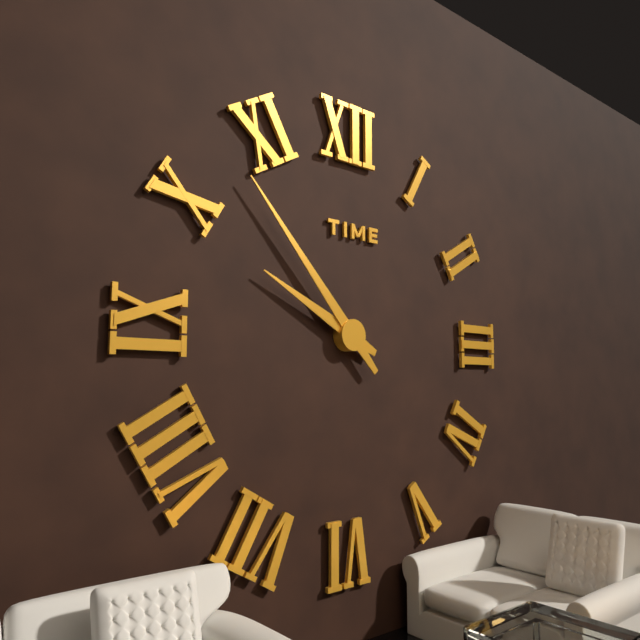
9:53
